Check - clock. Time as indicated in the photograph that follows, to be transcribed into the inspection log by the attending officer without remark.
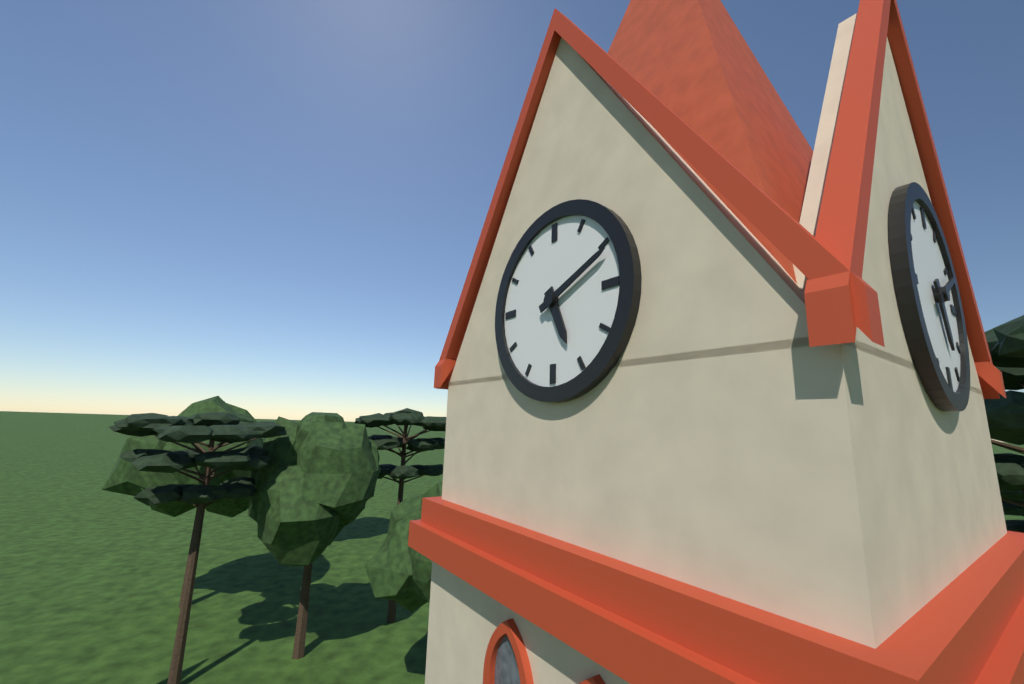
5:11
